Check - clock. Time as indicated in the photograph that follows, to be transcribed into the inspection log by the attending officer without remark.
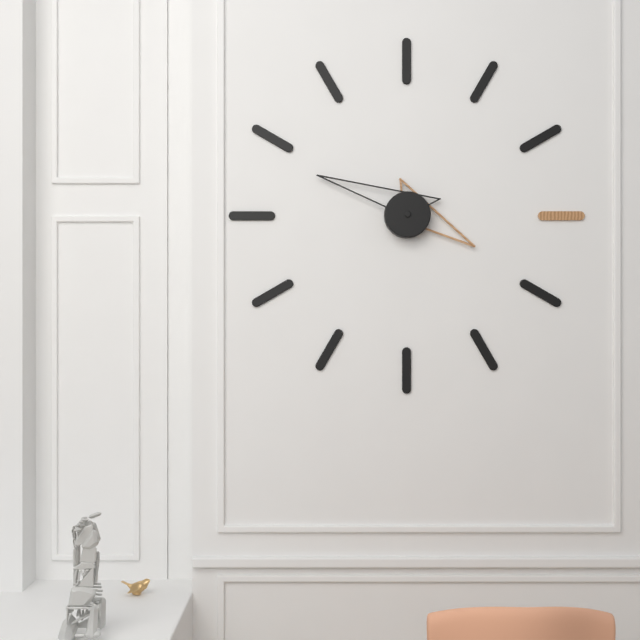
3:49
